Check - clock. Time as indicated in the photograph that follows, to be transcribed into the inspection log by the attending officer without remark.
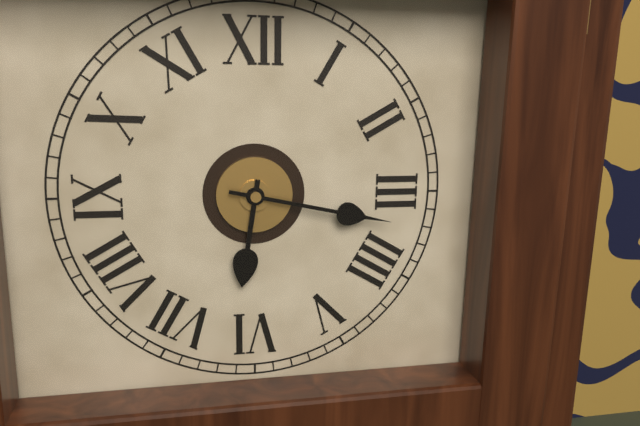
6:17
